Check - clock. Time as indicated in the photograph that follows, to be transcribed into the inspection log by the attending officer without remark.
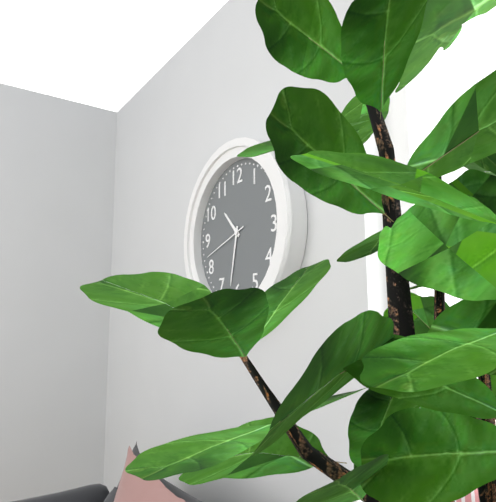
10:32
